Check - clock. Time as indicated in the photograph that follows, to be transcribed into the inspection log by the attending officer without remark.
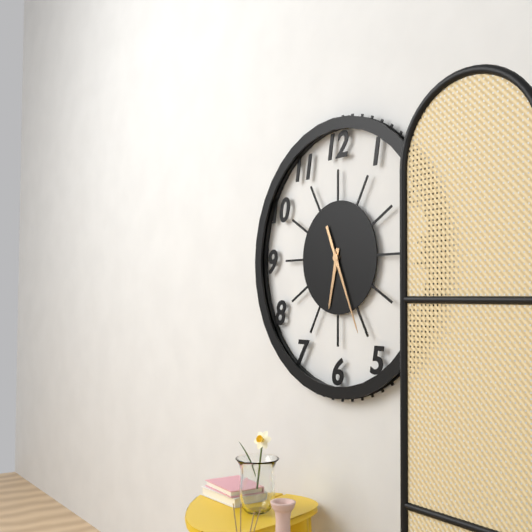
6:26
